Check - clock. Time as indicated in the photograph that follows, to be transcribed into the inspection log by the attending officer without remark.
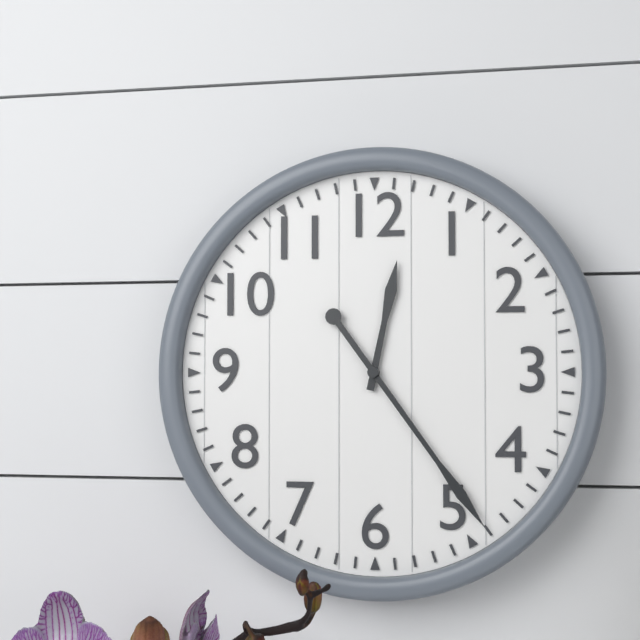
12:24
